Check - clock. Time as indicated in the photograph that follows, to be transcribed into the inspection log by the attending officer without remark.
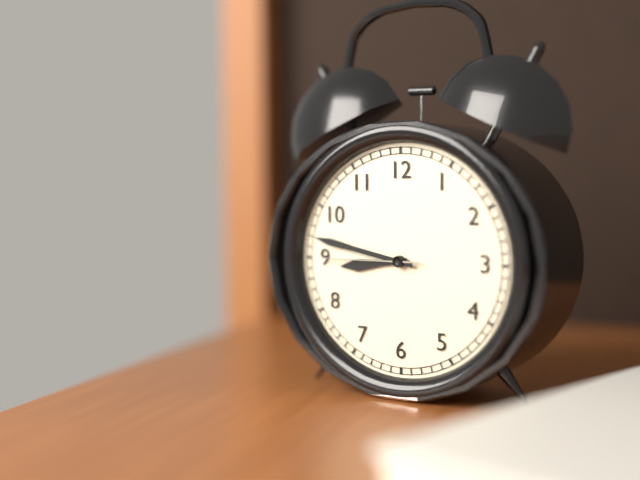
8:47:45
